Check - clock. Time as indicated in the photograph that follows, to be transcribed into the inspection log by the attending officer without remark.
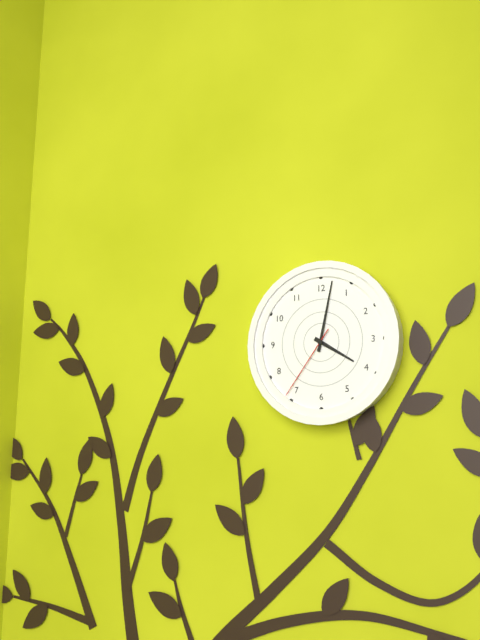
4:02:36
